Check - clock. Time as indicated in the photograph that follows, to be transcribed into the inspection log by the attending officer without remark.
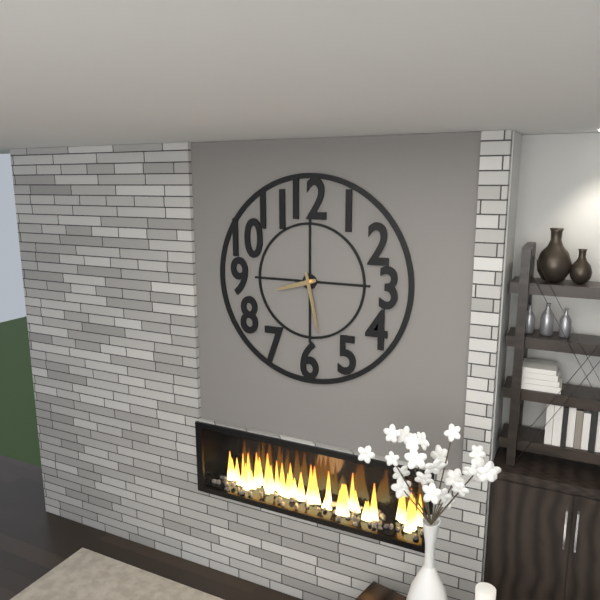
8:28
